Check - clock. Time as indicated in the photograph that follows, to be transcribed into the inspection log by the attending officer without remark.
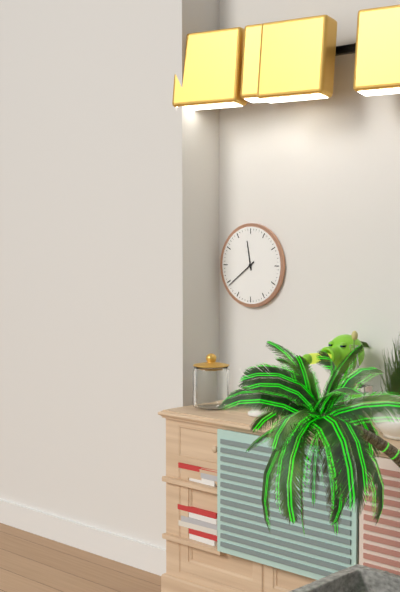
11:39
